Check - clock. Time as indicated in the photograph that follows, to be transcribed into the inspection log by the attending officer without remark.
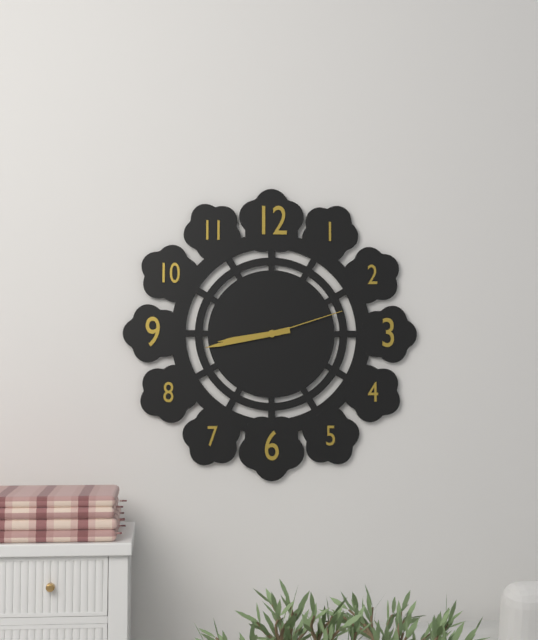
8:43:12
